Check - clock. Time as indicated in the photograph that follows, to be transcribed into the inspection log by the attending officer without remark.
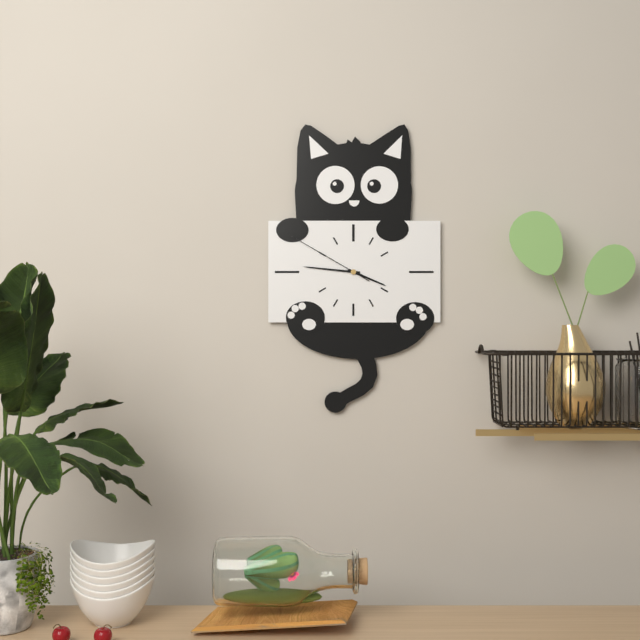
3:46:50
